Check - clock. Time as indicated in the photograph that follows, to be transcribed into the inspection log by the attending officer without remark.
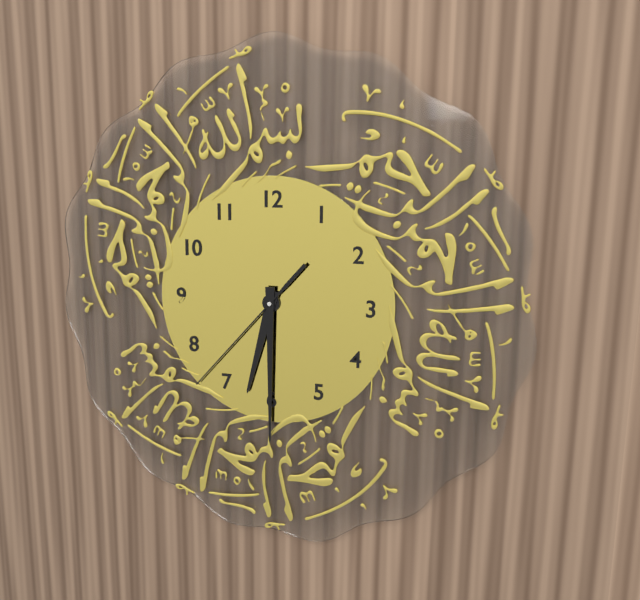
6:30:37
